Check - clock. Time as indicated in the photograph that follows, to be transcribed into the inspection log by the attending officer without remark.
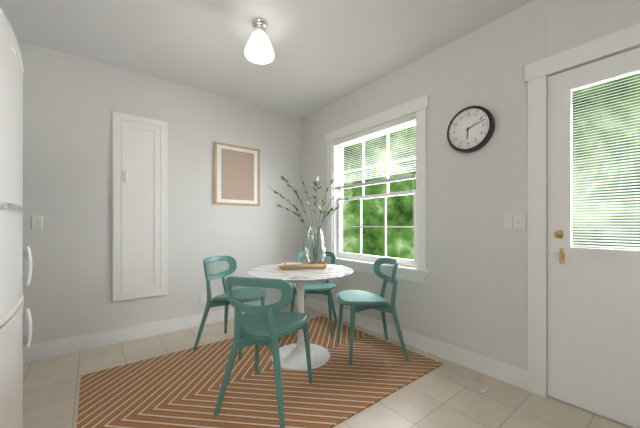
6:12
